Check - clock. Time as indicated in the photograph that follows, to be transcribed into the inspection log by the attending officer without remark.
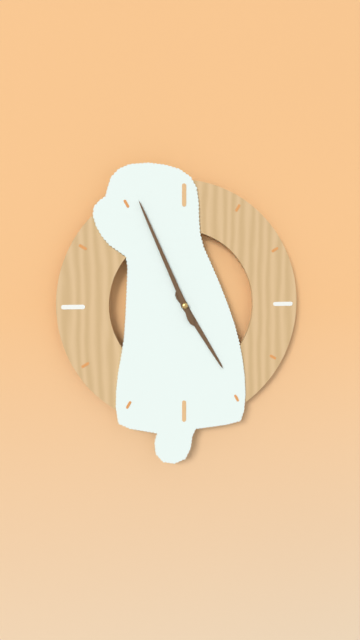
4:56
